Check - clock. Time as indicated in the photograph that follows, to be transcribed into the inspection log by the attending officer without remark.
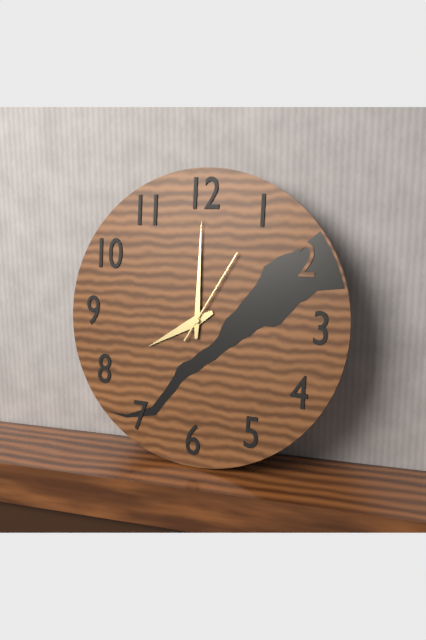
8:00:05
